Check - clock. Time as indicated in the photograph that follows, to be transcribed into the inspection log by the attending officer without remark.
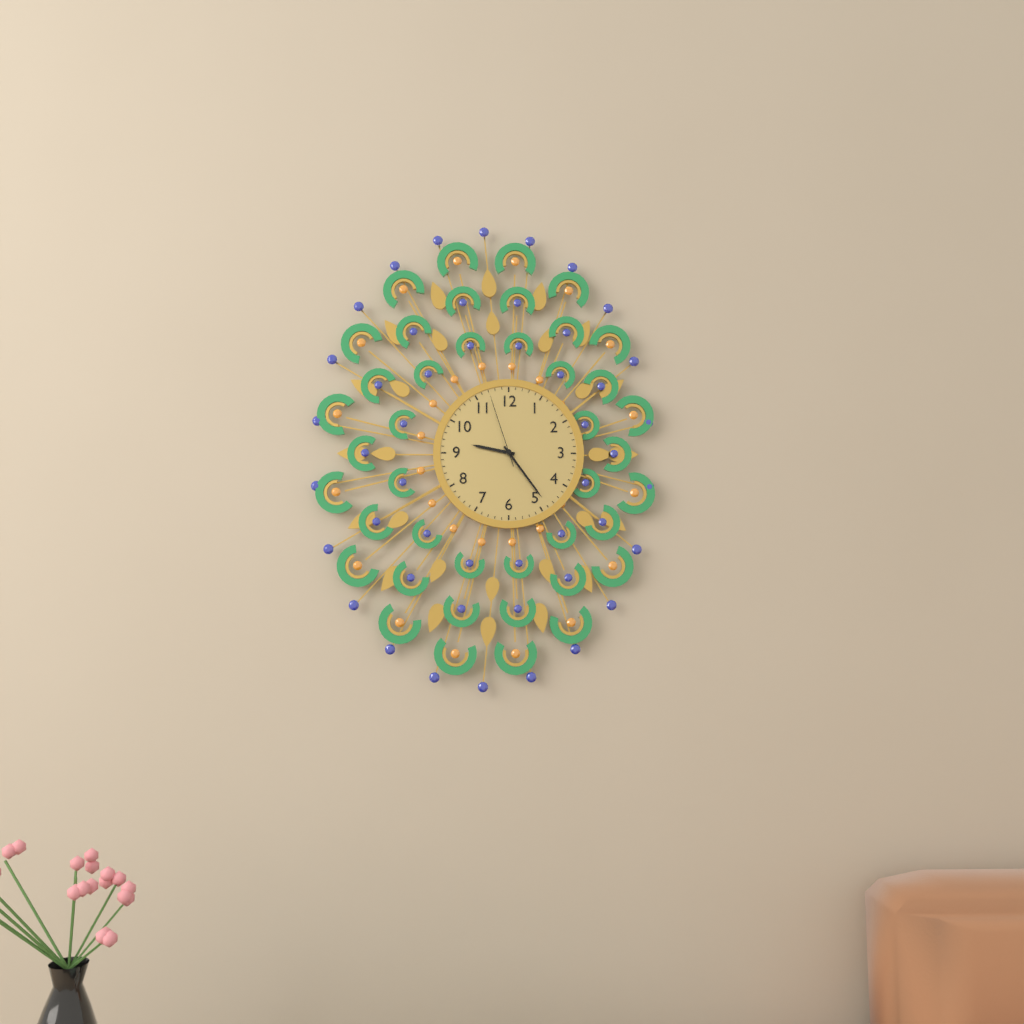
9:24:57
